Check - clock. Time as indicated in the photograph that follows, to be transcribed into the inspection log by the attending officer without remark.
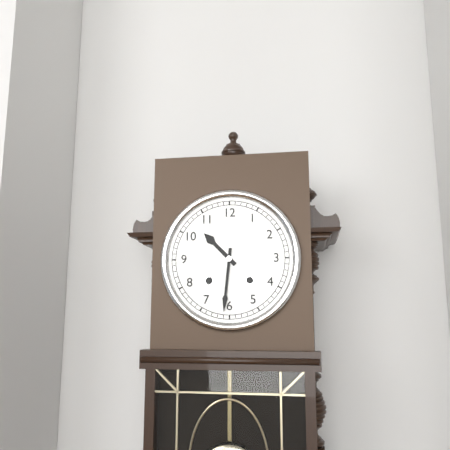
10:31
